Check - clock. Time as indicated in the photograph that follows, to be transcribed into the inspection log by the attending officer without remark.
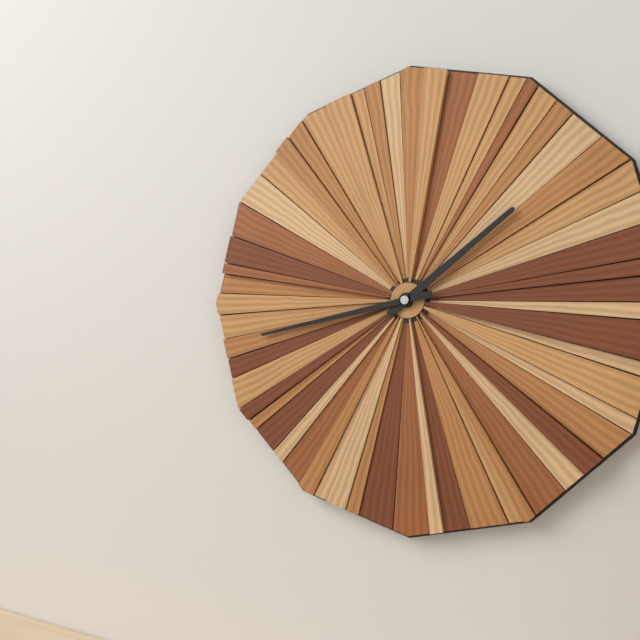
1:43
